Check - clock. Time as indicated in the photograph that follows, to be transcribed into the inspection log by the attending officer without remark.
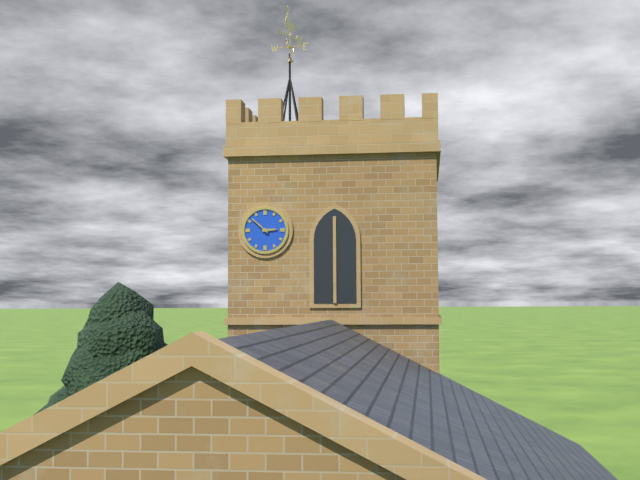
2:52
